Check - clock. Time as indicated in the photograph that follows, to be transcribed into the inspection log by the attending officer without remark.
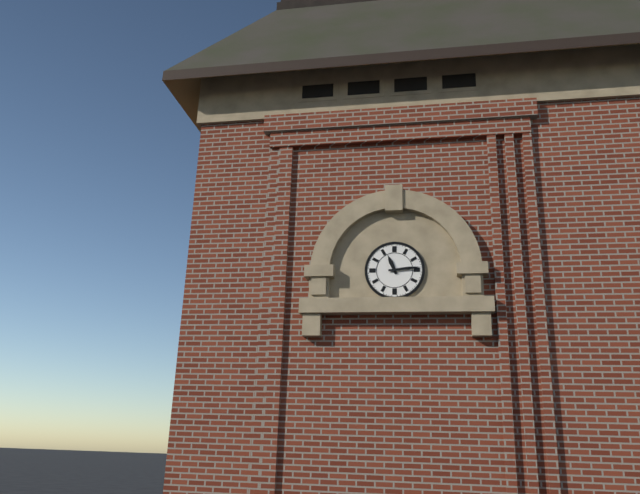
11:14
